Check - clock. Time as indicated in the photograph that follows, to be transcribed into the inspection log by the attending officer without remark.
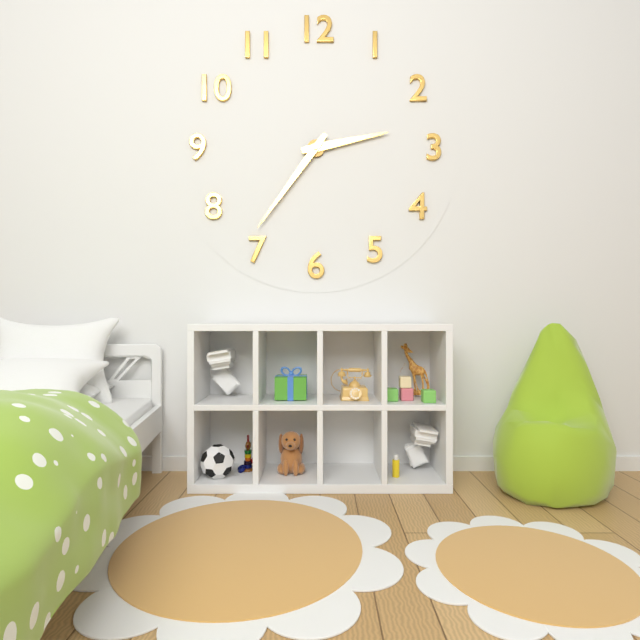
2:36
